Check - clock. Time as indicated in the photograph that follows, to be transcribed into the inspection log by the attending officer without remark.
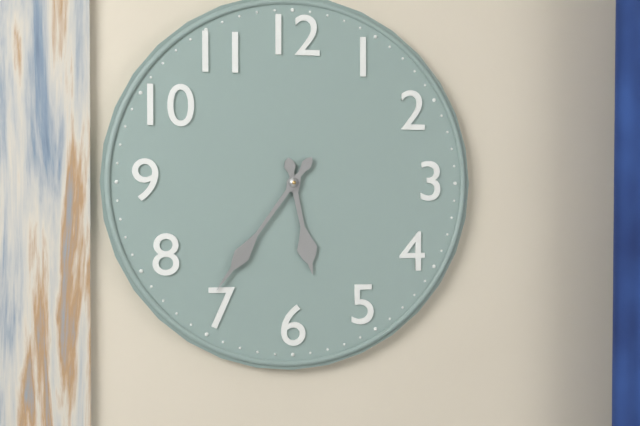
5:36
